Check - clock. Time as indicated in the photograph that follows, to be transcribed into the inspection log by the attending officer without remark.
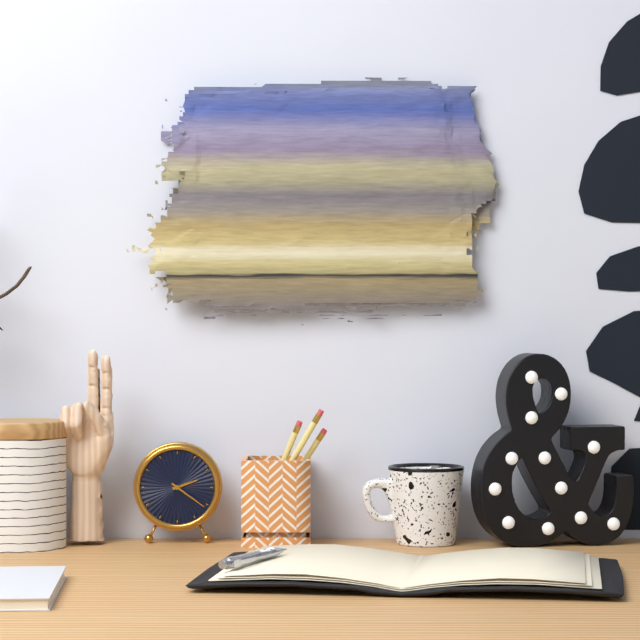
2:21
